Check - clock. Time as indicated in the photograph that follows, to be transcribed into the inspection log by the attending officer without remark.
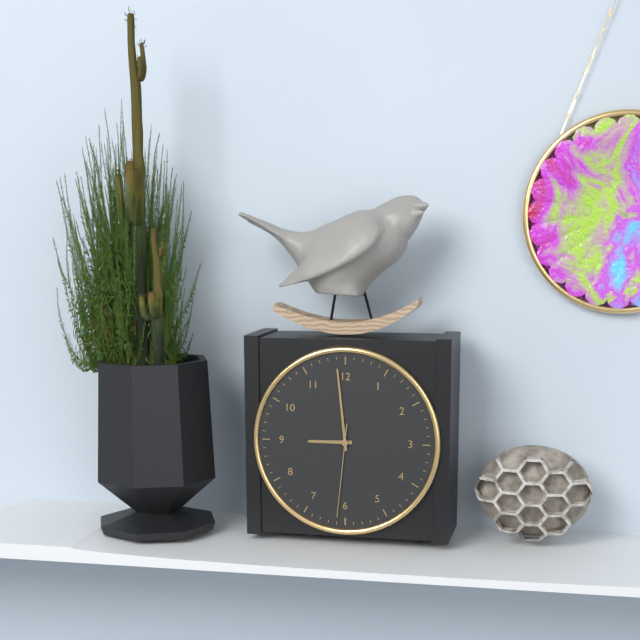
8:59:31
